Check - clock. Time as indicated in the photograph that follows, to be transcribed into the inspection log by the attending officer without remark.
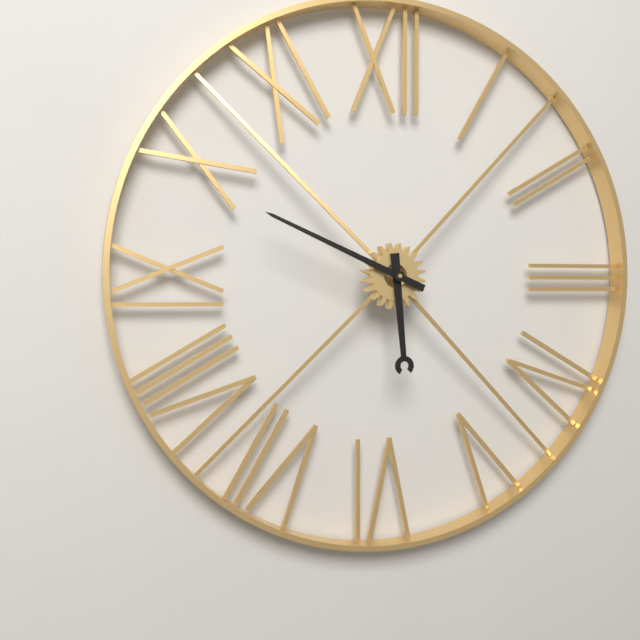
5:49
